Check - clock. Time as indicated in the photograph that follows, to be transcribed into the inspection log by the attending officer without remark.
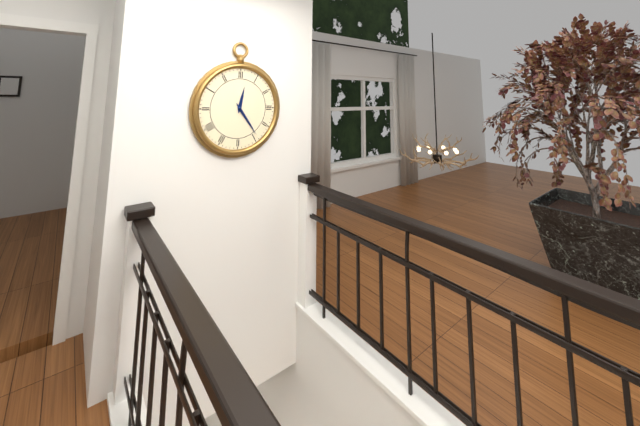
12:24
